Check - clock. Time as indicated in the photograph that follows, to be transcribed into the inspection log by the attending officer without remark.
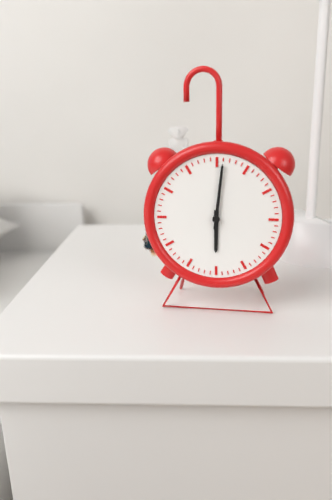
6:01
